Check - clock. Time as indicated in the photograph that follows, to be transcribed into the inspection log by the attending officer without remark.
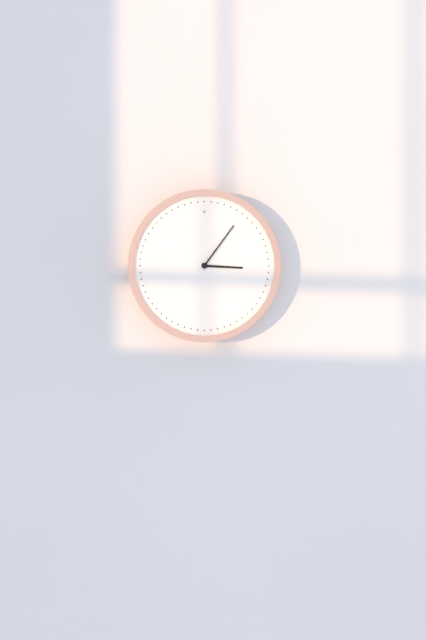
3:06
